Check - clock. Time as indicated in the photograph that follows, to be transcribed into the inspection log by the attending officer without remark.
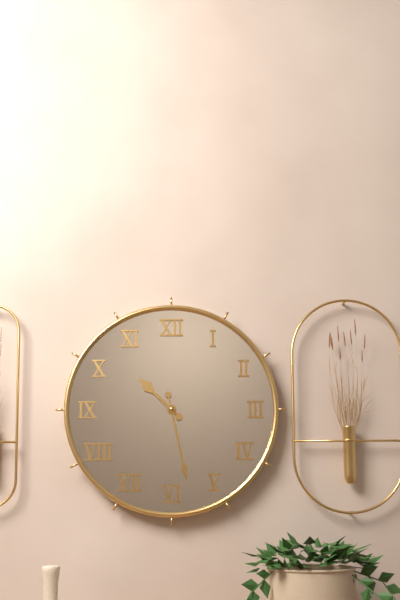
10:28
